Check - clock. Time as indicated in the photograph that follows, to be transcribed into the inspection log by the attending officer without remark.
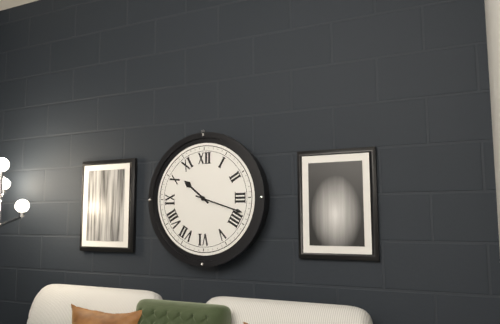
10:18
